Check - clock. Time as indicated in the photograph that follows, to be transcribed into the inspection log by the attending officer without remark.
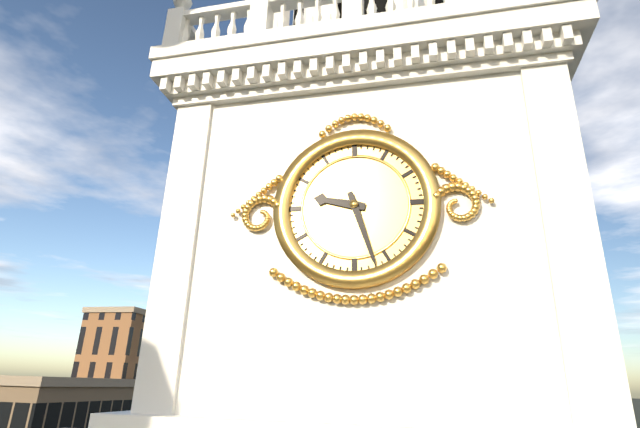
9:27
